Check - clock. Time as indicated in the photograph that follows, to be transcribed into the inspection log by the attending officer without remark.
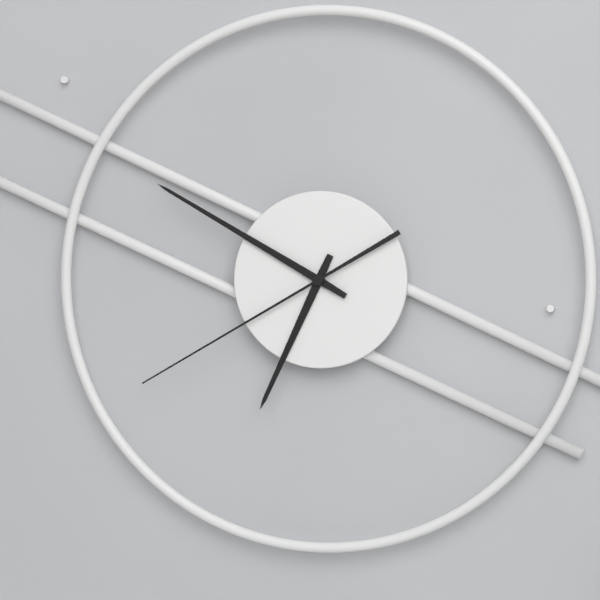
6:50:40
